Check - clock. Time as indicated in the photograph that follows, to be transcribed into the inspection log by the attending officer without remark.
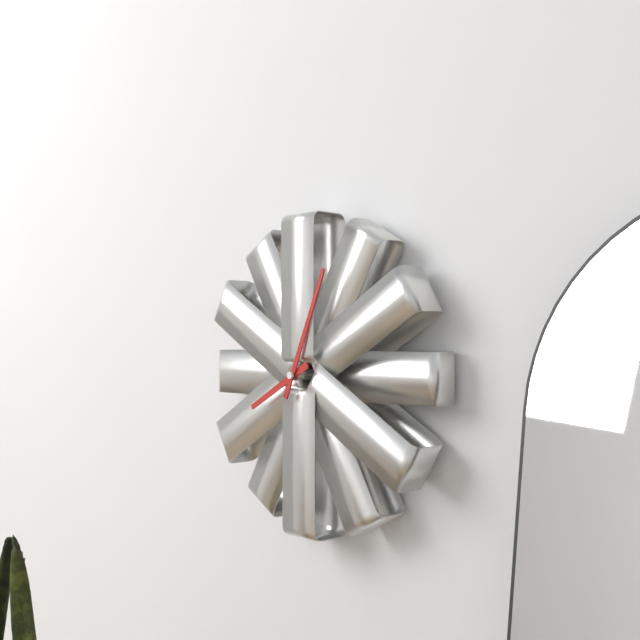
8:04
